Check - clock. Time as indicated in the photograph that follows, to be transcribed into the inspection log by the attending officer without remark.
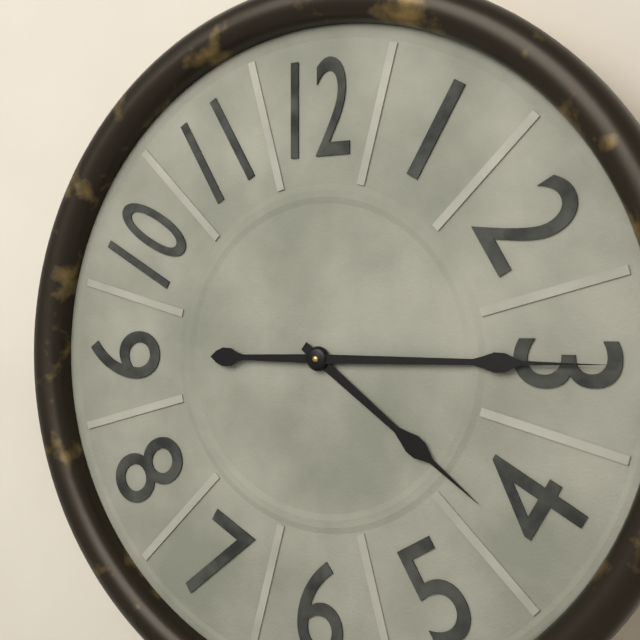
4:15
